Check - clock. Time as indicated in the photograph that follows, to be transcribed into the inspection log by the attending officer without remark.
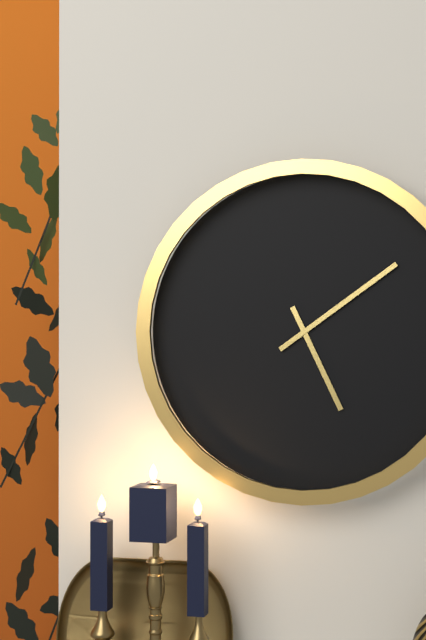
5:09
